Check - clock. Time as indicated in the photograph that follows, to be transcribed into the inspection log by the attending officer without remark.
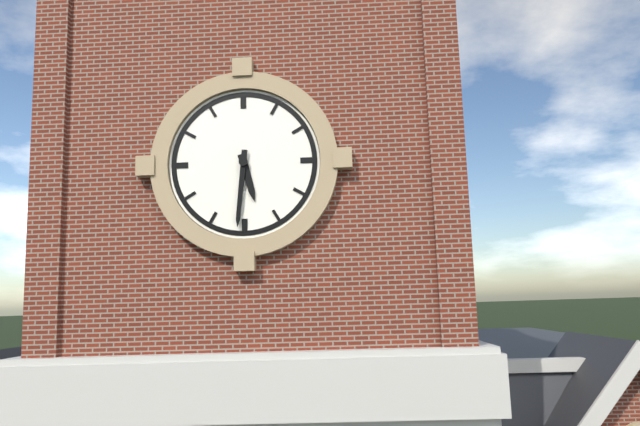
5:31
